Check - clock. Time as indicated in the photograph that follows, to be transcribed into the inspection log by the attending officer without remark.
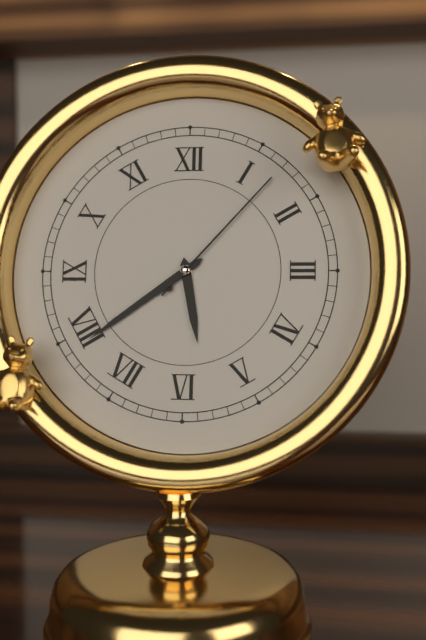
5:39:07
